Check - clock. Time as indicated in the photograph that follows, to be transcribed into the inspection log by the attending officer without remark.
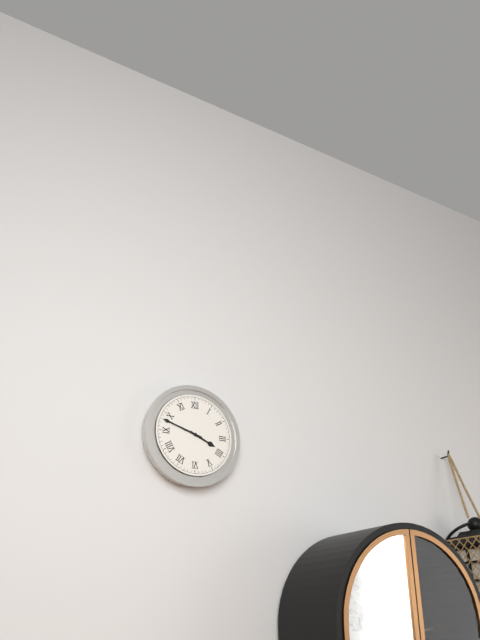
3:48
